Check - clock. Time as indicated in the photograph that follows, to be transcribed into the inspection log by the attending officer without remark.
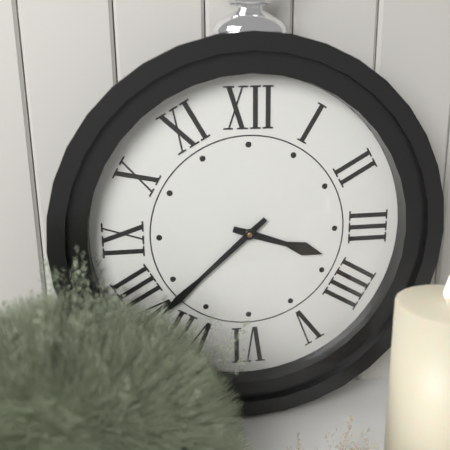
3:38
